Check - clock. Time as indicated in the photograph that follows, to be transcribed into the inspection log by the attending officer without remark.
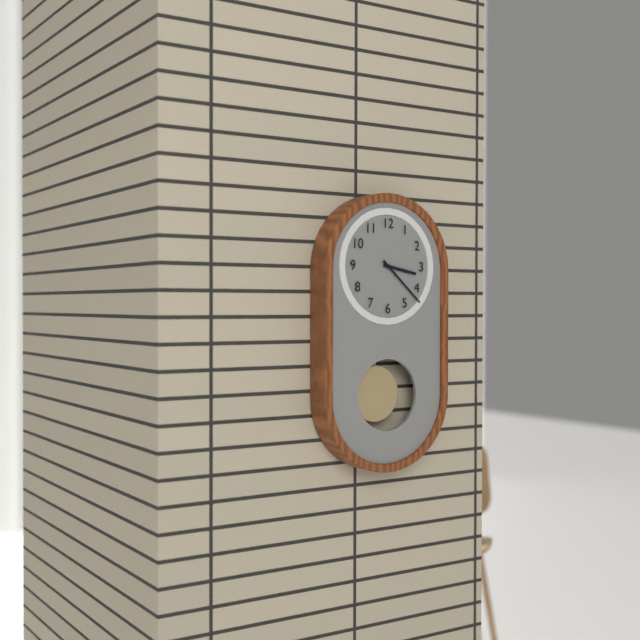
3:22
